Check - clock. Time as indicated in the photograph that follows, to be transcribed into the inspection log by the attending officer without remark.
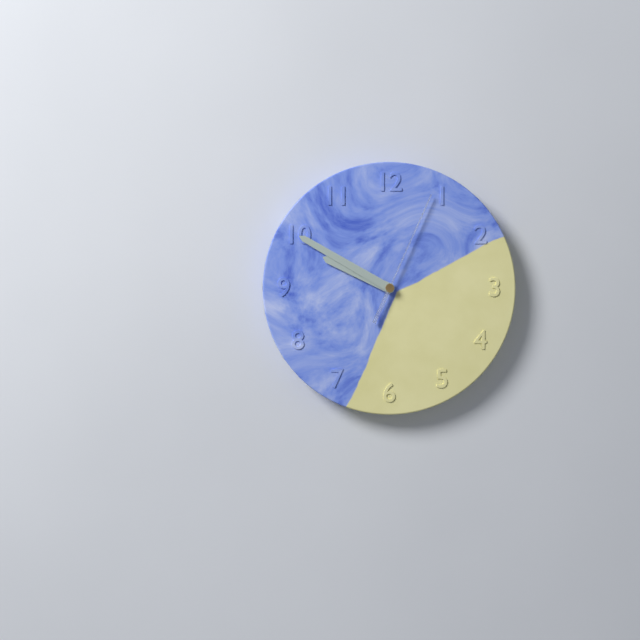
9:50:04
